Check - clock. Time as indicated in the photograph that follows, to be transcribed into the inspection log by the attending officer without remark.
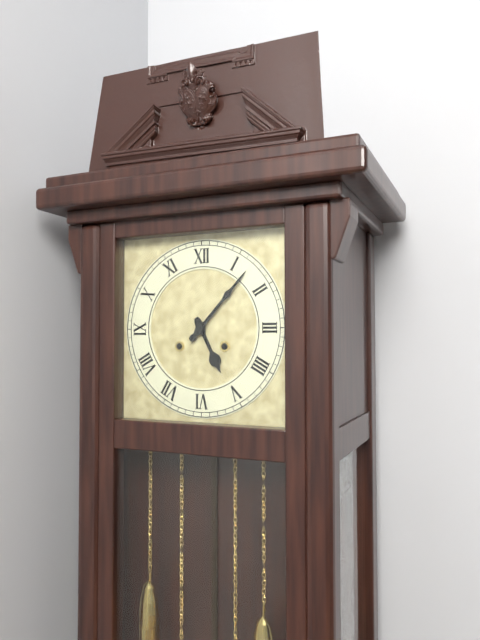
5:07
